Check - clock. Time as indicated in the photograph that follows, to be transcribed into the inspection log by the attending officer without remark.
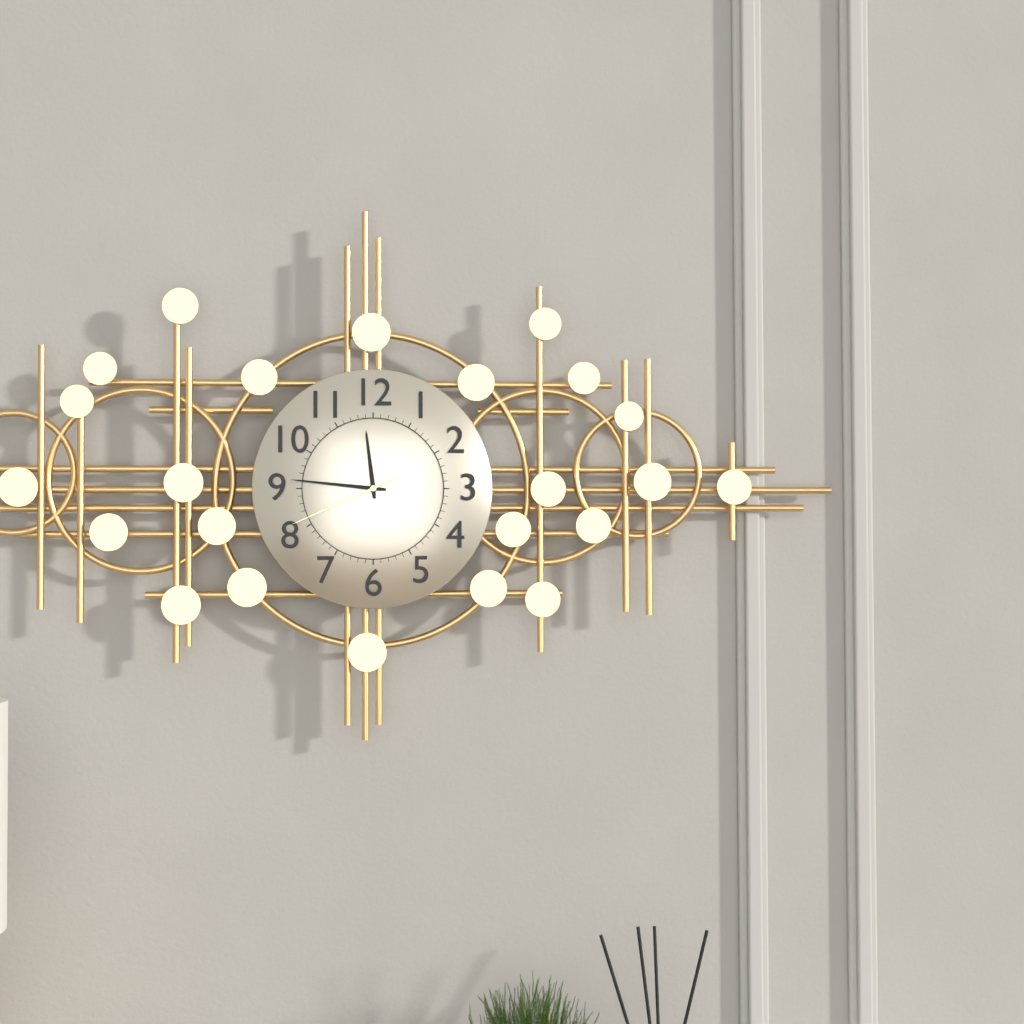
11:46:41
